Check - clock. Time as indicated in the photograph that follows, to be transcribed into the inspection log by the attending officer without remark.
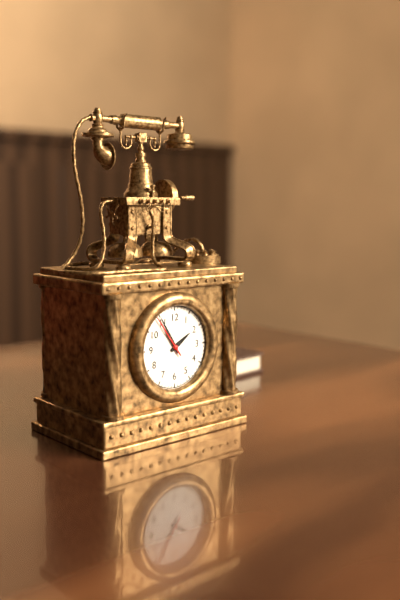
1:55
